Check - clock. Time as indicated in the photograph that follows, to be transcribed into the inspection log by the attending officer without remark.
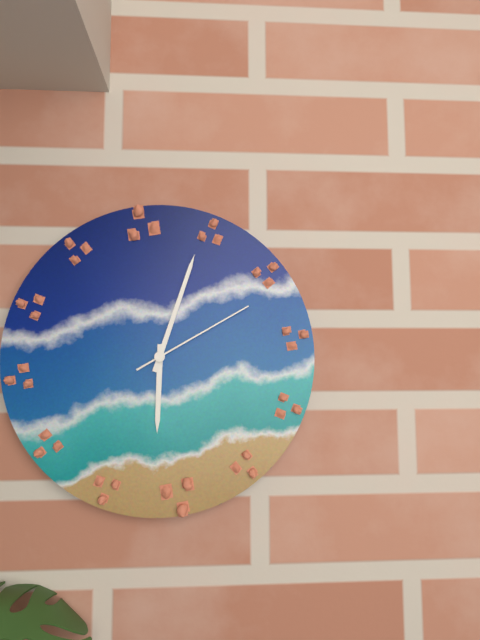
6:03:10
